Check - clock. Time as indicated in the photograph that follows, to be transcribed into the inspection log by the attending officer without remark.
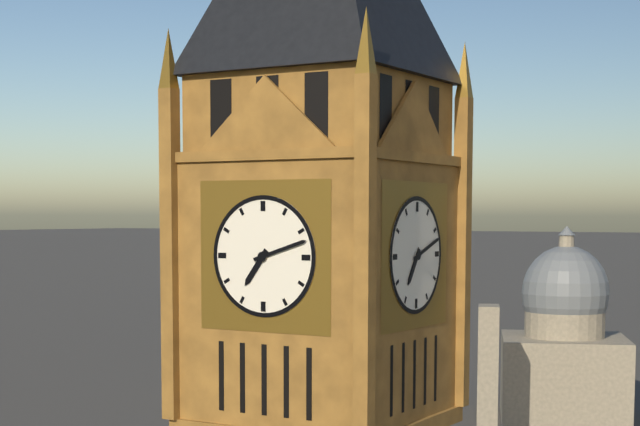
7:12
